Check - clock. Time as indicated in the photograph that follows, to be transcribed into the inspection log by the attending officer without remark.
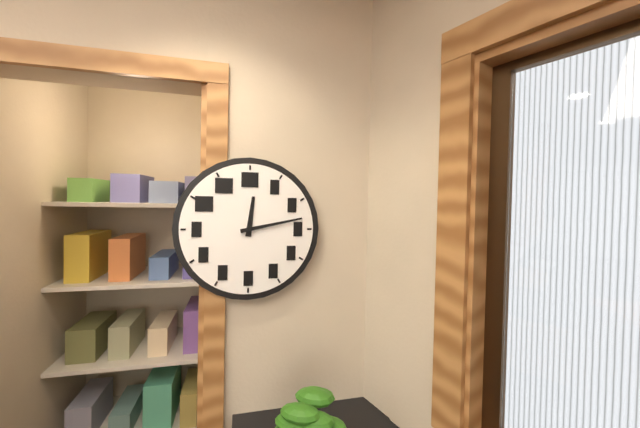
12:13
